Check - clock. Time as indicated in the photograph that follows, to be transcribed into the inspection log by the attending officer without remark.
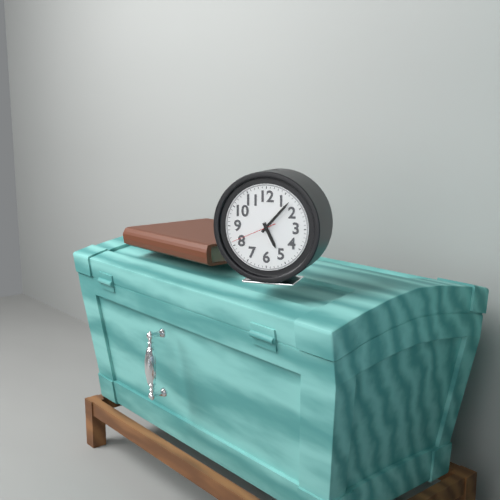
5:07
